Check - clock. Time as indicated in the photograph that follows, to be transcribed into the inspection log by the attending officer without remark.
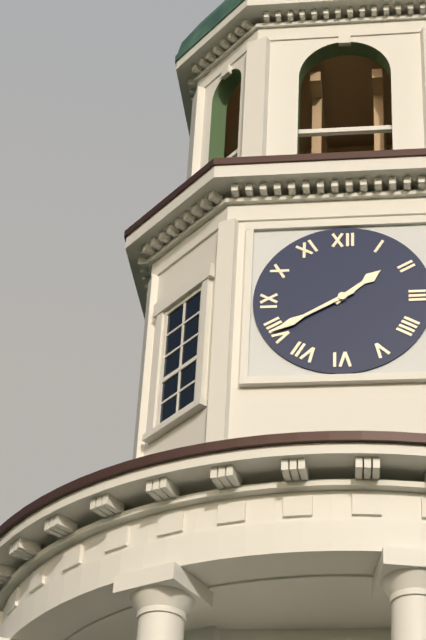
1:40
